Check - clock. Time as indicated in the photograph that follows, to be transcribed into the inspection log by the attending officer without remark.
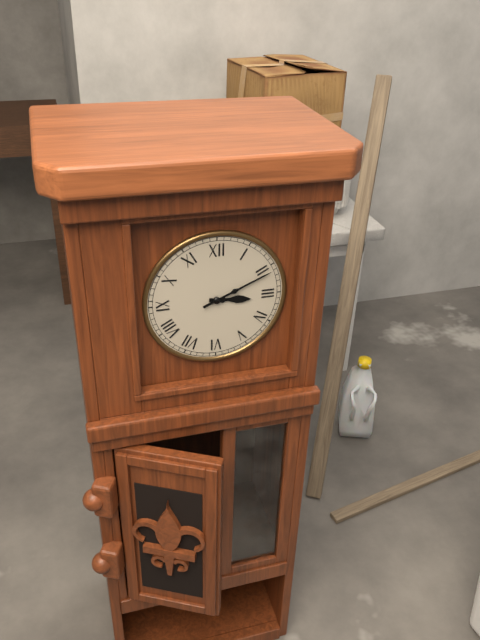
3:11
